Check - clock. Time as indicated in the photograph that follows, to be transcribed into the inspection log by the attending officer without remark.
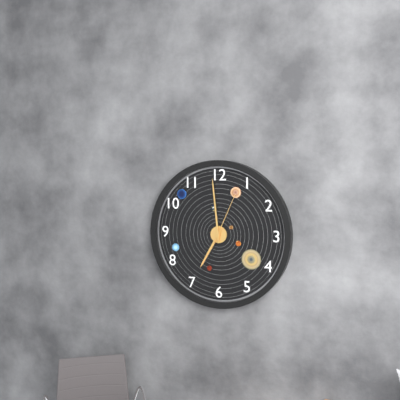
6:59:04
